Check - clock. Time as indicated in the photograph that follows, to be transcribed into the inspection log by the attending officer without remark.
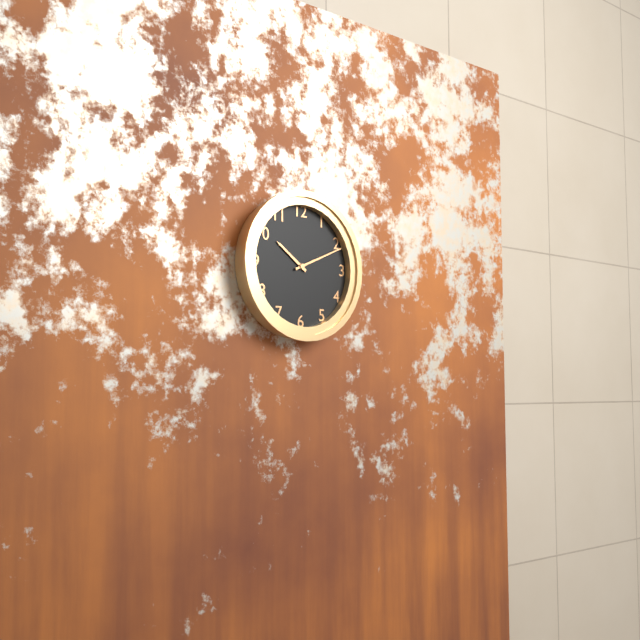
10:11
